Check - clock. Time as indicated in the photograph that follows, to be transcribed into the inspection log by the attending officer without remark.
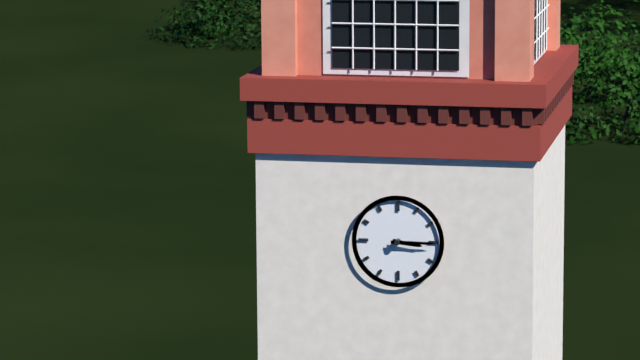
3:15
